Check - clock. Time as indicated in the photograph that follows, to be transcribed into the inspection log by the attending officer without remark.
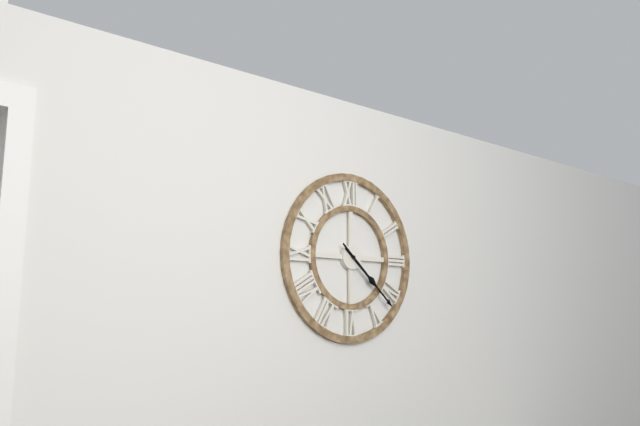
4:22
